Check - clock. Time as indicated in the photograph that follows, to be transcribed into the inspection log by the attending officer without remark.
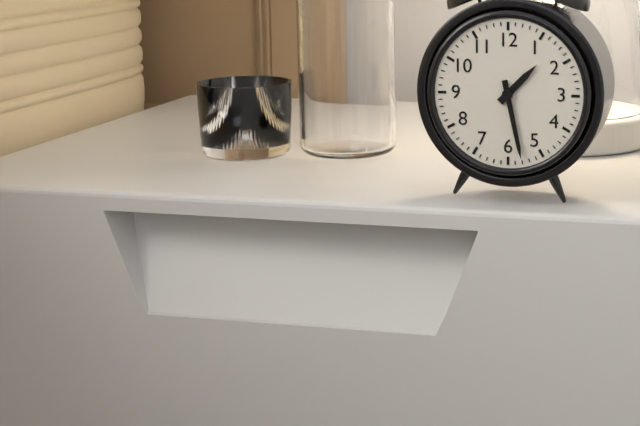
1:28
